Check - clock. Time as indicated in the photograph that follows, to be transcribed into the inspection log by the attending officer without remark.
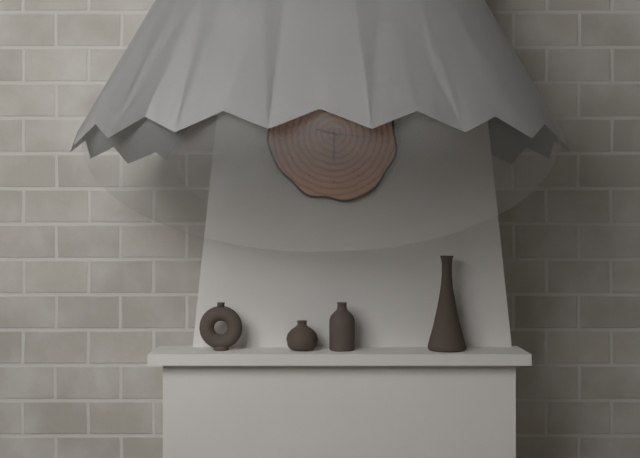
9:30
